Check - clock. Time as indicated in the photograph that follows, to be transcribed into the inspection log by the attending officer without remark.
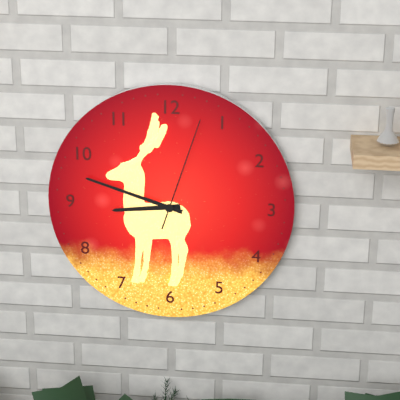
8:48:03
